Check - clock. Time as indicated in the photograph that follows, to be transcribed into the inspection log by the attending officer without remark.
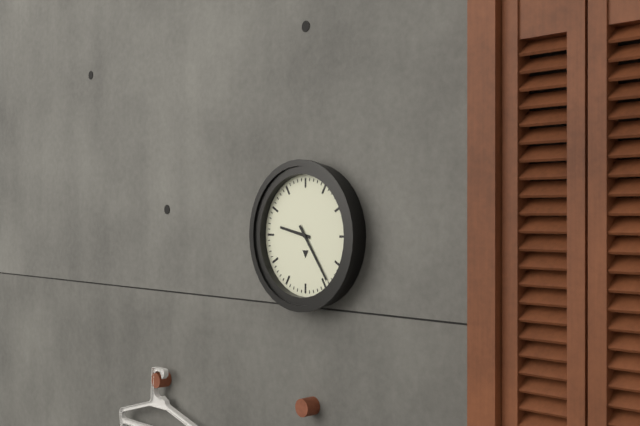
9:24
